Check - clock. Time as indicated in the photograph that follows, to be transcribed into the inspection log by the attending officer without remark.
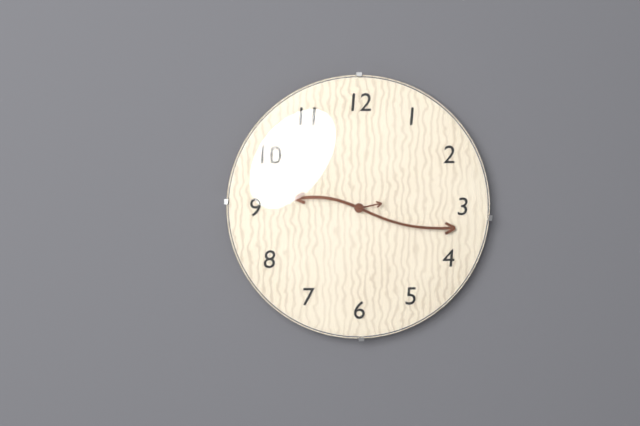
9:17
